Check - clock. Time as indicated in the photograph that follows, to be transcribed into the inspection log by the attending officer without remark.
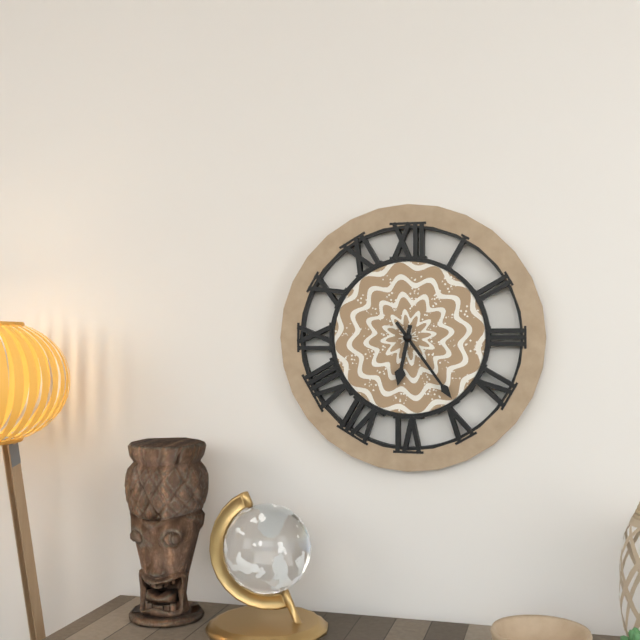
6:24
